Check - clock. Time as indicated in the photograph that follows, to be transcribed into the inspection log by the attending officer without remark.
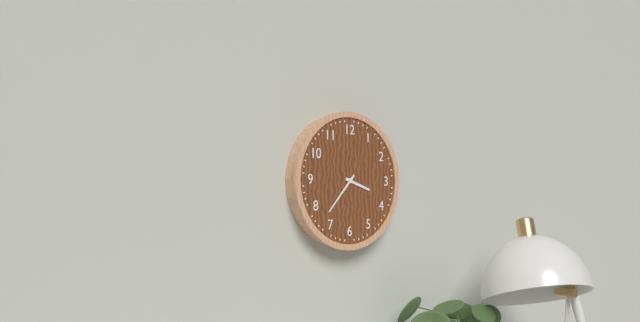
3:37
